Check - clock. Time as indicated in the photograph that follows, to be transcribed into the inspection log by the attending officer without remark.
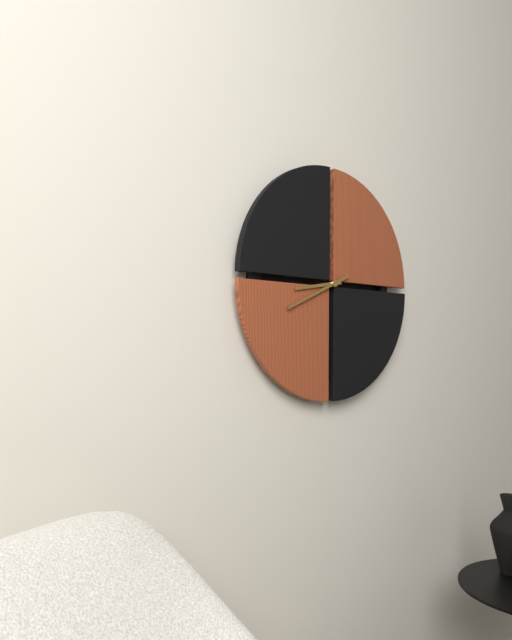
8:41
